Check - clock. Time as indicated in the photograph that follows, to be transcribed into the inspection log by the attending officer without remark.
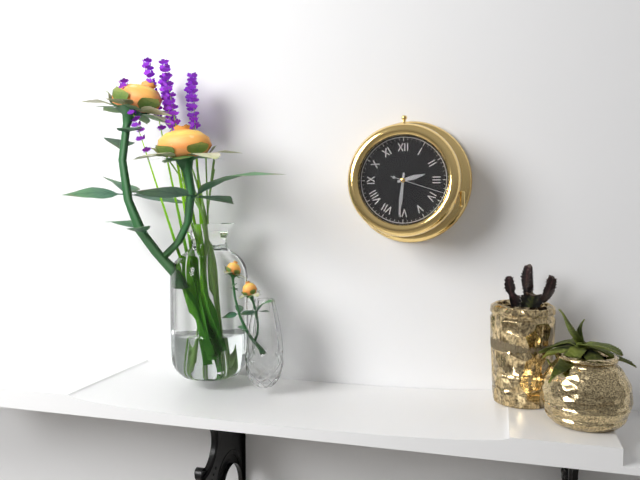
2:31:18
